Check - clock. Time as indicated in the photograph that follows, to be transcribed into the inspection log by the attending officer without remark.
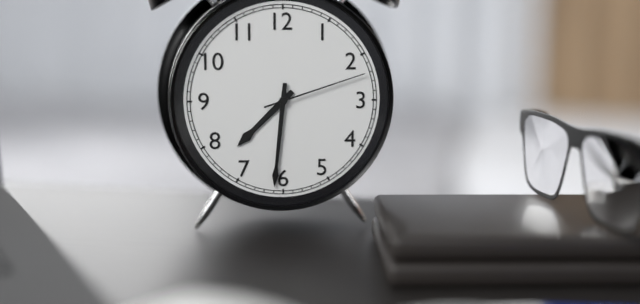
7:31:12
